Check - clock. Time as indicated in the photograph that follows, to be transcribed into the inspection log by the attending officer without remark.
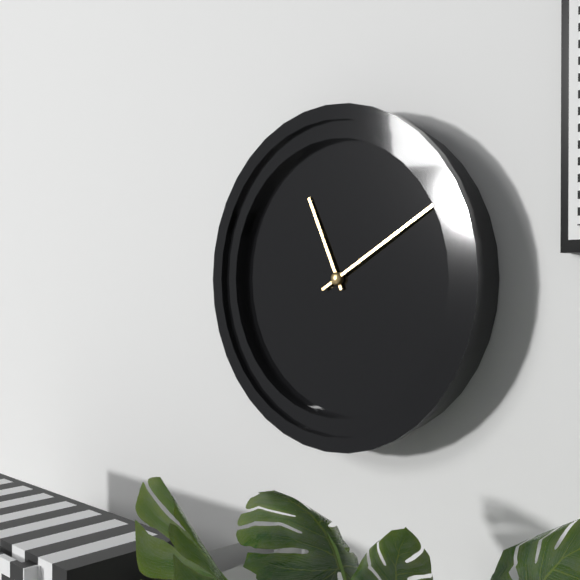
11:10
